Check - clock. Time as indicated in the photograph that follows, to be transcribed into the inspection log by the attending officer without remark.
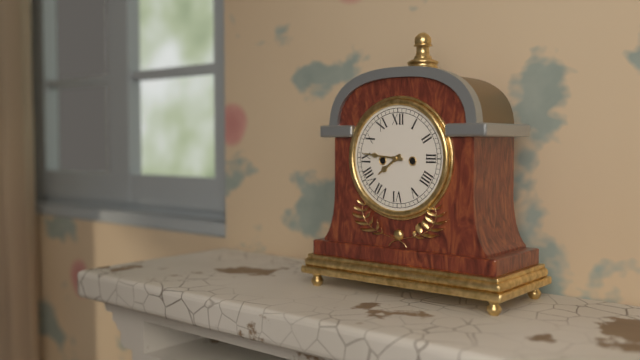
7:46
